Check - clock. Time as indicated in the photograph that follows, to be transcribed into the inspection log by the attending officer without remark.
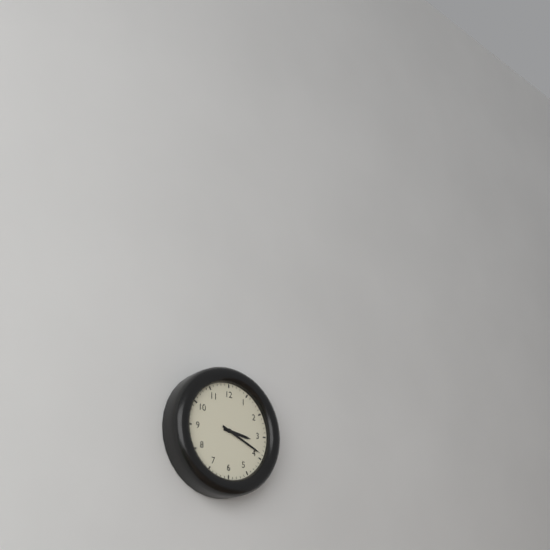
3:19
